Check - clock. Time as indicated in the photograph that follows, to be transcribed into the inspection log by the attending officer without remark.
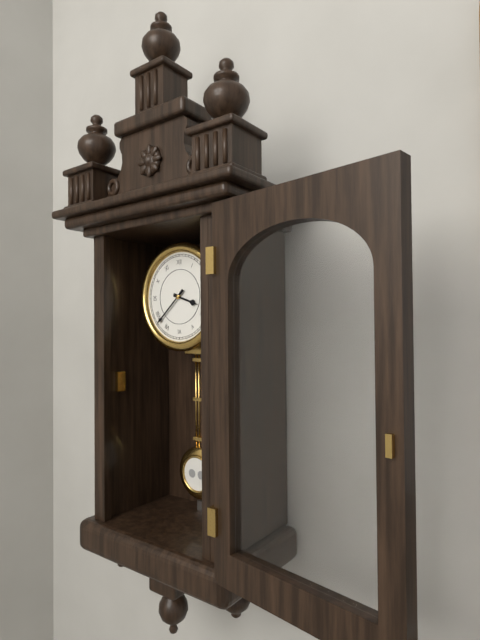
3:38
